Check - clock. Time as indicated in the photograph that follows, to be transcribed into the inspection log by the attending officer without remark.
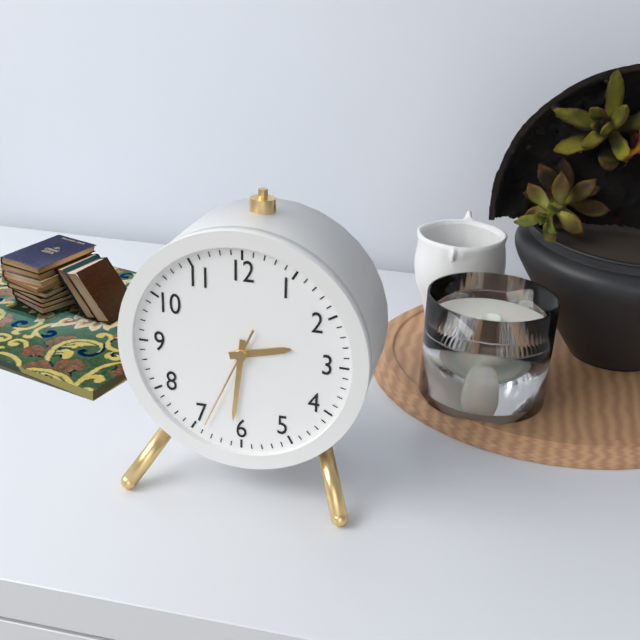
2:31:34
